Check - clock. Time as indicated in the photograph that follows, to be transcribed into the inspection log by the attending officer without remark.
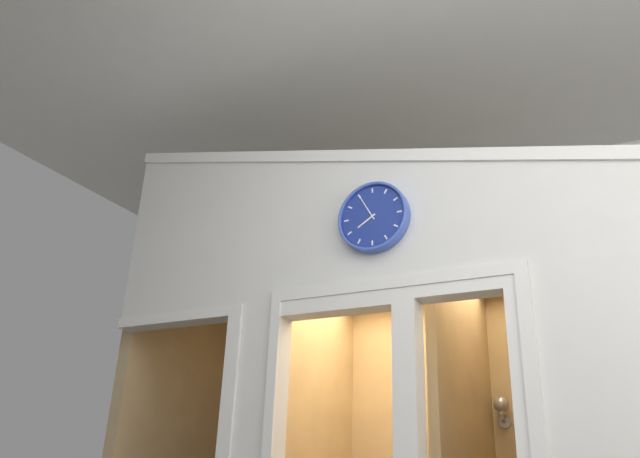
7:55
